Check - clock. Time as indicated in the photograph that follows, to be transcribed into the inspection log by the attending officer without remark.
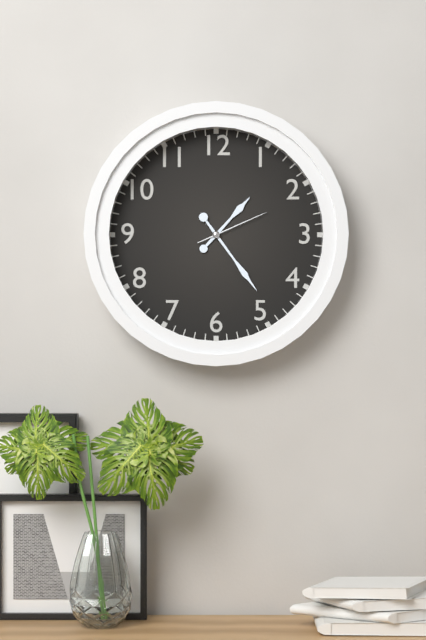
1:24:11
